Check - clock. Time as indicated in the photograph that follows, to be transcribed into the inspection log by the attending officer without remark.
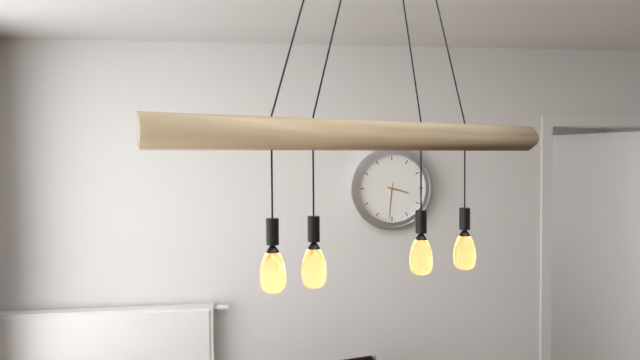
3:31
